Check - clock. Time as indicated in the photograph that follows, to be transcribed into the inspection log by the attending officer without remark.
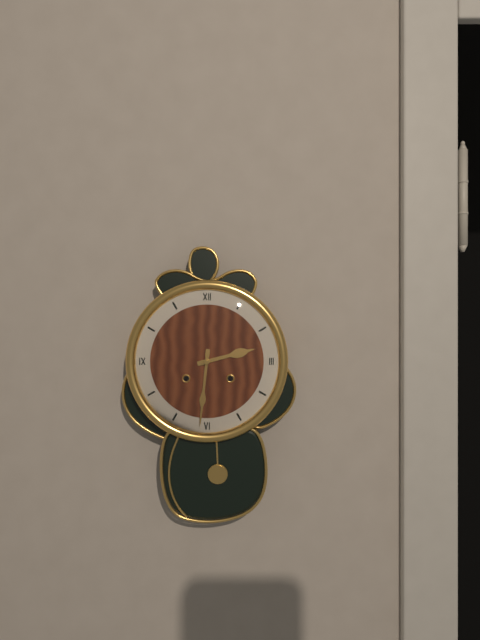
2:31
